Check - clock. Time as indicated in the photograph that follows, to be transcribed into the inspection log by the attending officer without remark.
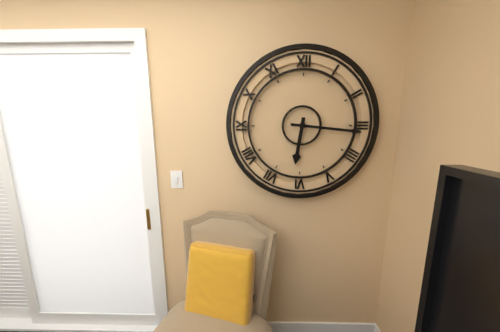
6:16
